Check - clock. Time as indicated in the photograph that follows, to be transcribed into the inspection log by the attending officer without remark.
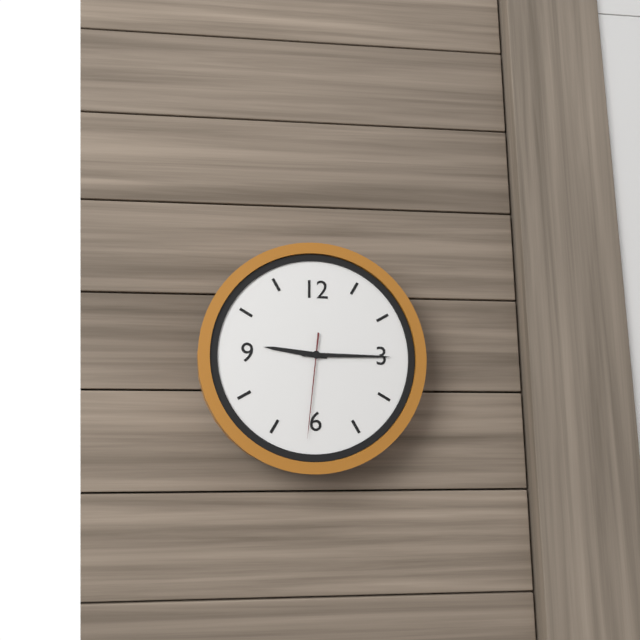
9:15:31
